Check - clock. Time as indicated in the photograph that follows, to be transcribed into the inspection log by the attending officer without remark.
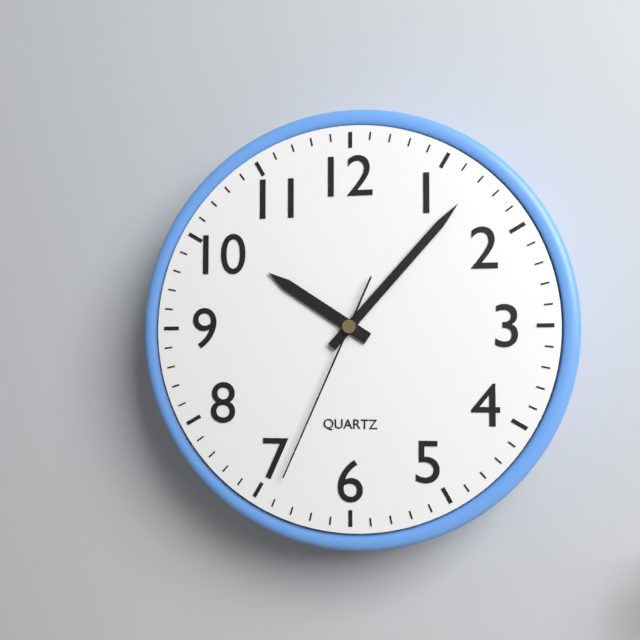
10:07:34
